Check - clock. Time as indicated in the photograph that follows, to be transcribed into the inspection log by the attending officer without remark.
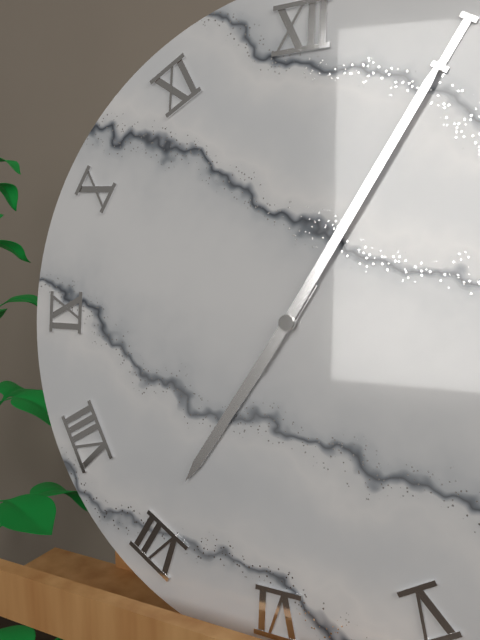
7:05
